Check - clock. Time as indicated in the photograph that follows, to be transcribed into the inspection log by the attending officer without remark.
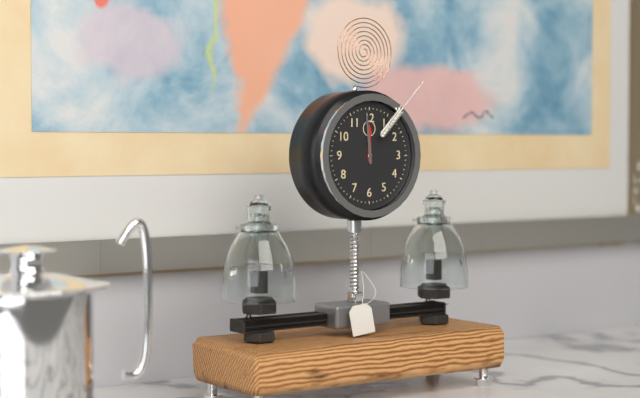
11:59
